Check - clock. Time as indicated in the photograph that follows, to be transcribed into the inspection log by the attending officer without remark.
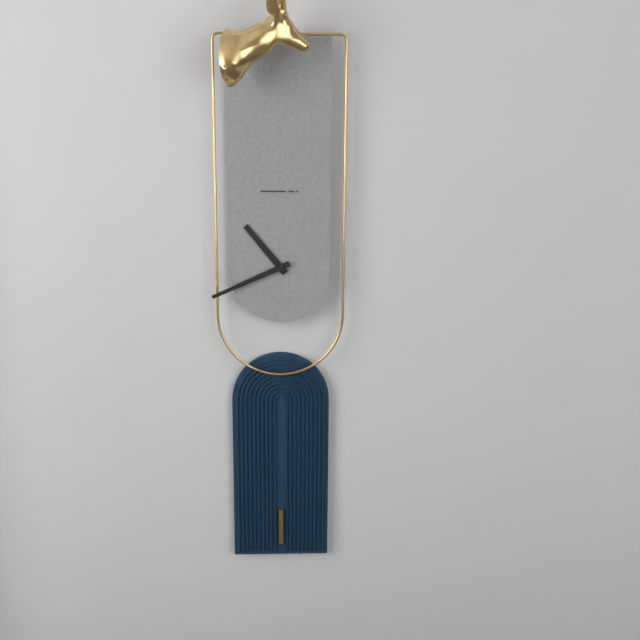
10:41
